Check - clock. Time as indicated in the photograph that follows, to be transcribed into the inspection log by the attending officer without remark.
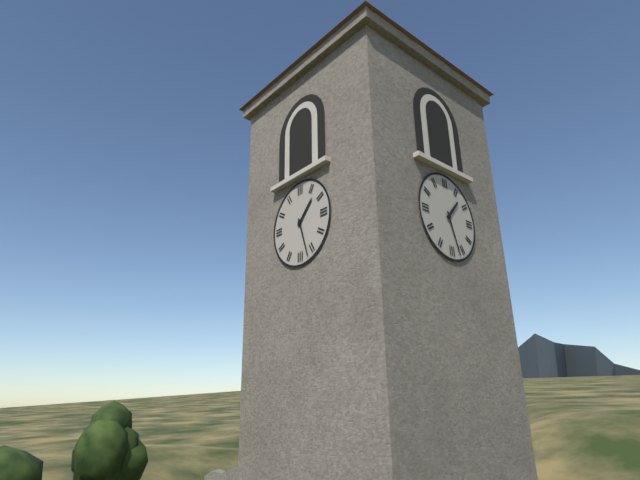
1:27
